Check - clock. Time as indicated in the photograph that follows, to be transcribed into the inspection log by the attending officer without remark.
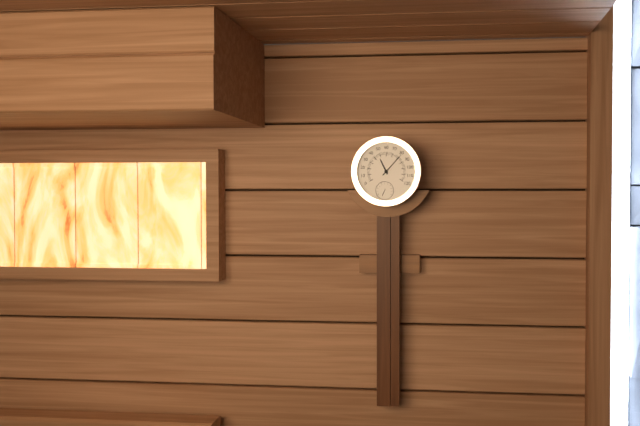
11:07
